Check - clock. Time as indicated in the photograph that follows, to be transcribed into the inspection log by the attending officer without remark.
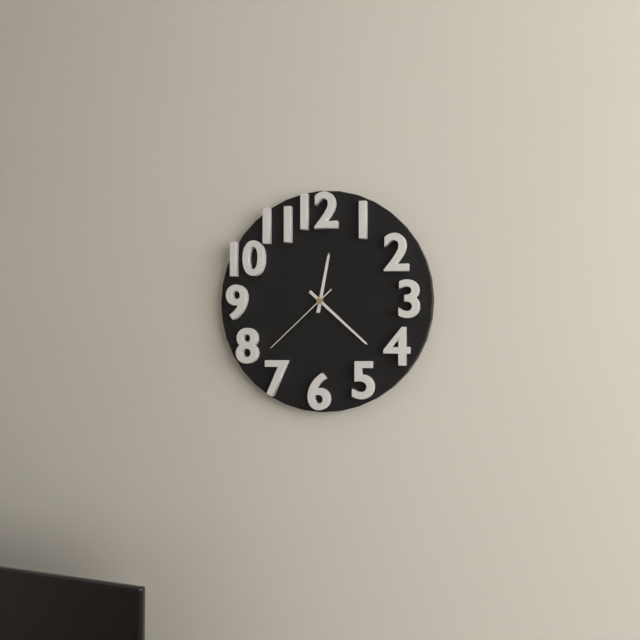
12:22:38
